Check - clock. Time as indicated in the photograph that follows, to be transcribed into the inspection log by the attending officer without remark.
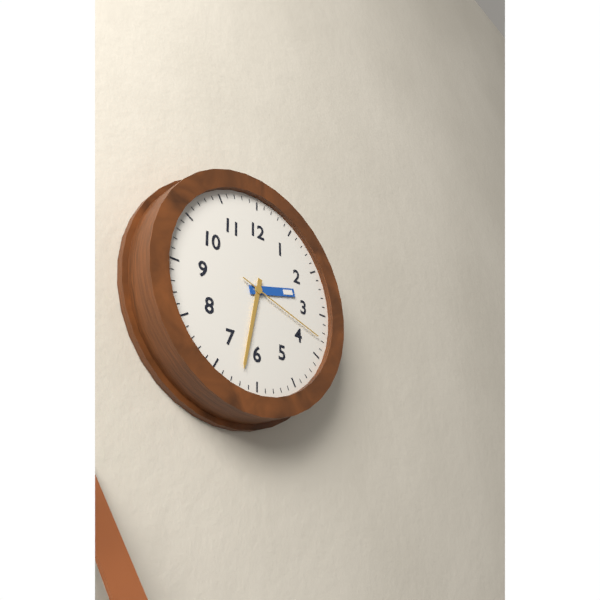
2:32:18
